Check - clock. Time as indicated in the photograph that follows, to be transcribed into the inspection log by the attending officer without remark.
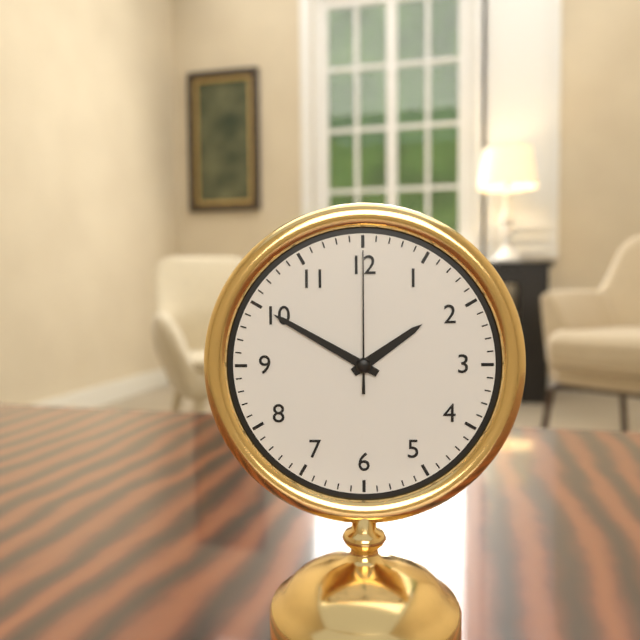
1:50:00
